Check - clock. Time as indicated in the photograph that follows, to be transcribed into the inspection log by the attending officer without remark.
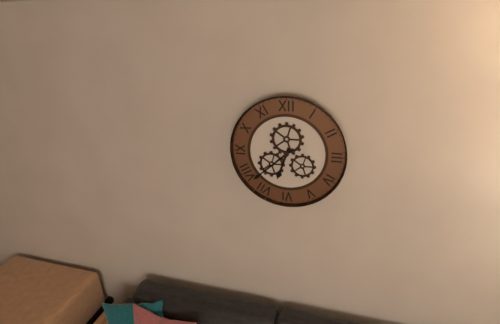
6:38
